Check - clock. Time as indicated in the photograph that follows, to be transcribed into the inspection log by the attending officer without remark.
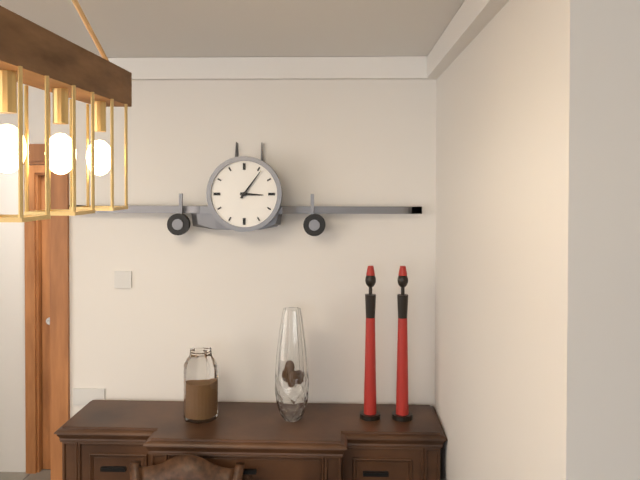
3:06
